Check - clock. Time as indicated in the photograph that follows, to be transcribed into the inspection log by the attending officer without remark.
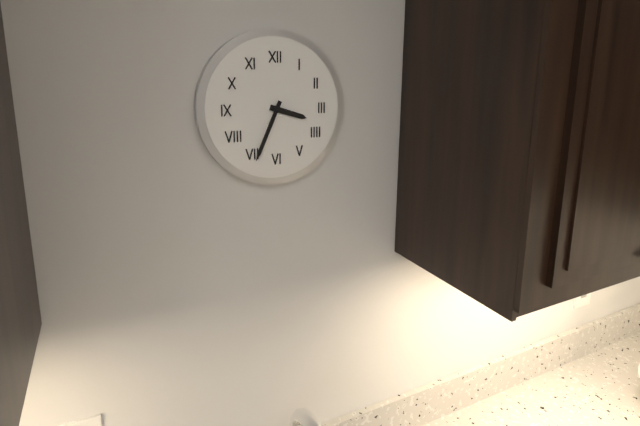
3:34
